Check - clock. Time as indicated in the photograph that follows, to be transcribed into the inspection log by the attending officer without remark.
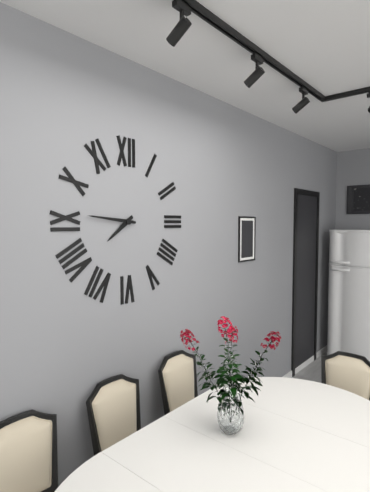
7:46
